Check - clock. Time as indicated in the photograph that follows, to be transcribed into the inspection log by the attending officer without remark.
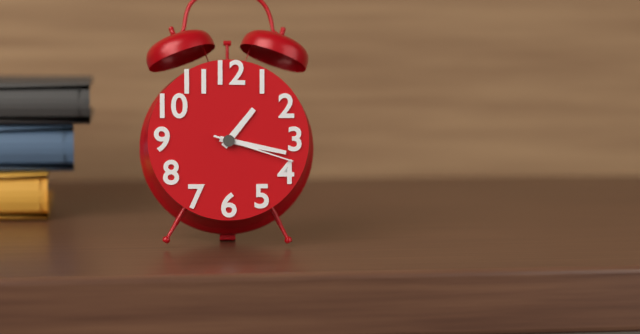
1:17:18
